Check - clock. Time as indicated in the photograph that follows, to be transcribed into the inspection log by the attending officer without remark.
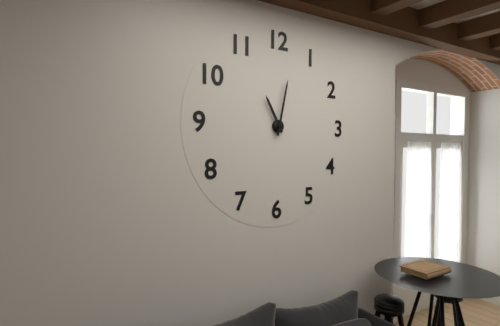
11:02
